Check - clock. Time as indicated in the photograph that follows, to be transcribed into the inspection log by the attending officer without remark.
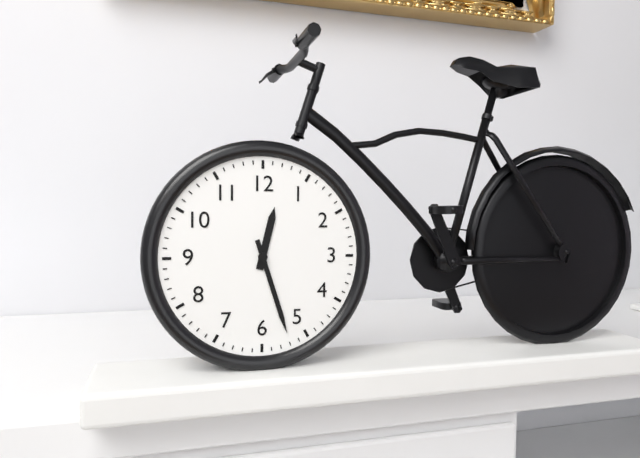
12:27
